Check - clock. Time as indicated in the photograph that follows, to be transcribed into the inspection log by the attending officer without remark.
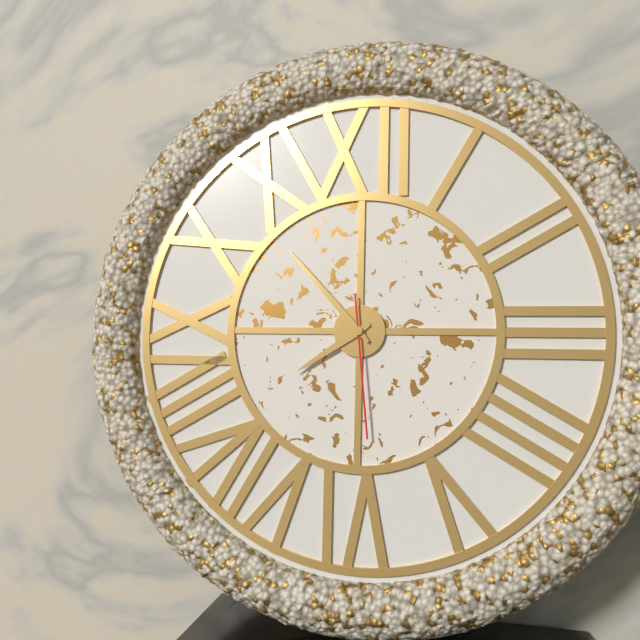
7:53:29
